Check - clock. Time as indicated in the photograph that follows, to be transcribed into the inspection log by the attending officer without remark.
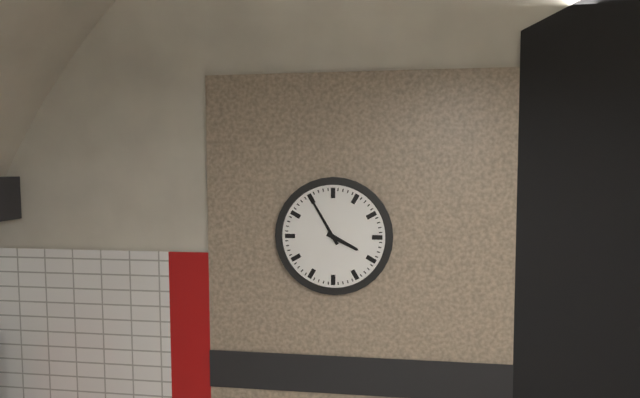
3:55
